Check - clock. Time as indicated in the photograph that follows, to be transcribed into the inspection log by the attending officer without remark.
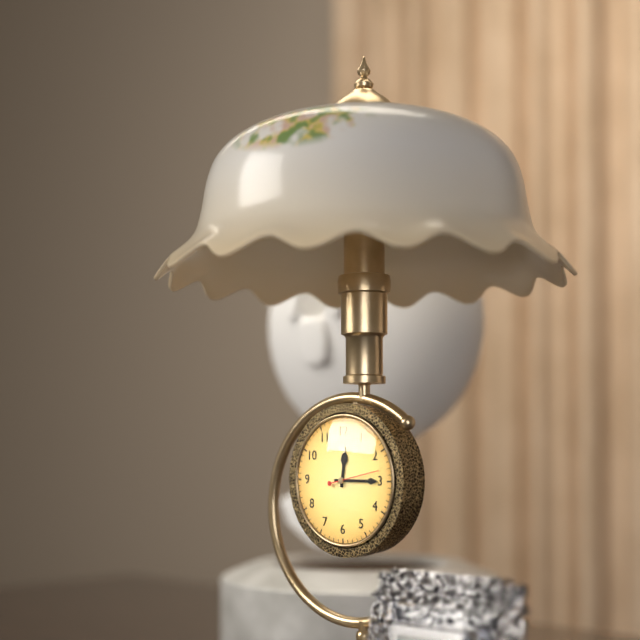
12:15:13
